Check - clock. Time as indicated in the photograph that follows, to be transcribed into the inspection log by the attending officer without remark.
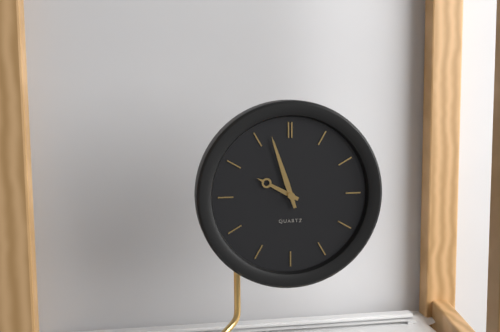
9:57
